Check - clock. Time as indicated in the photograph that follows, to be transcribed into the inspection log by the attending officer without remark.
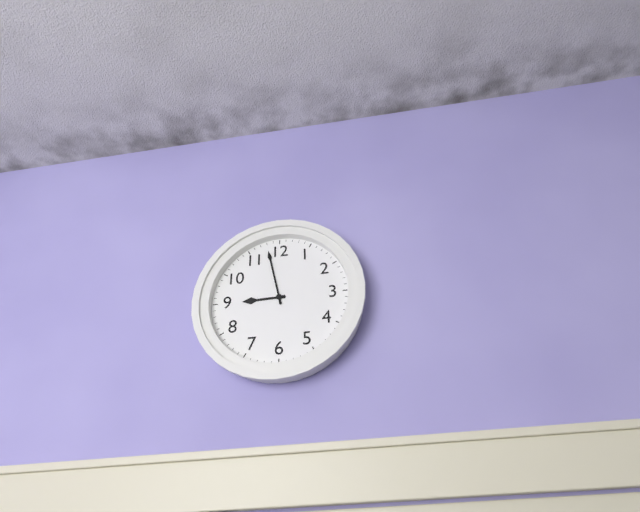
8:58
